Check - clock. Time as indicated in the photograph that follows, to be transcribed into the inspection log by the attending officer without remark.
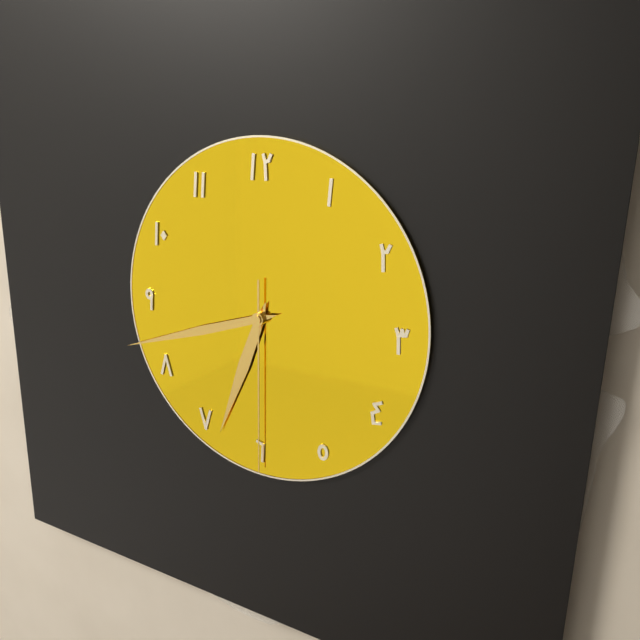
6:42:30
